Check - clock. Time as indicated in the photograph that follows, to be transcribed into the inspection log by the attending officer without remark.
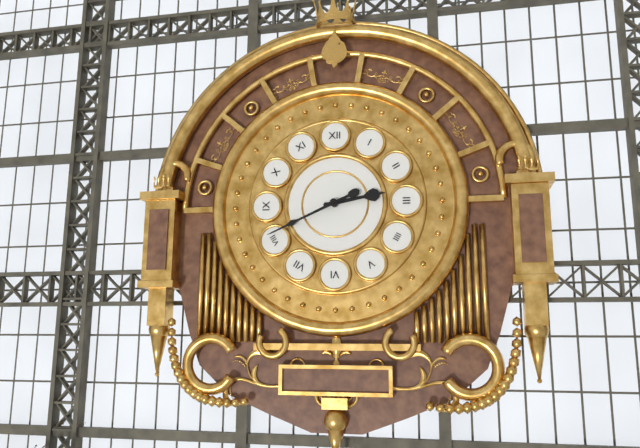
2:41
